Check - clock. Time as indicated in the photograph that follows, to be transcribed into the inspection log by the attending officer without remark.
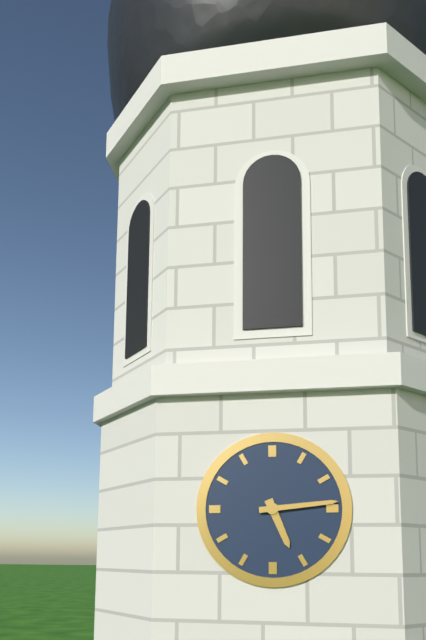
5:14
